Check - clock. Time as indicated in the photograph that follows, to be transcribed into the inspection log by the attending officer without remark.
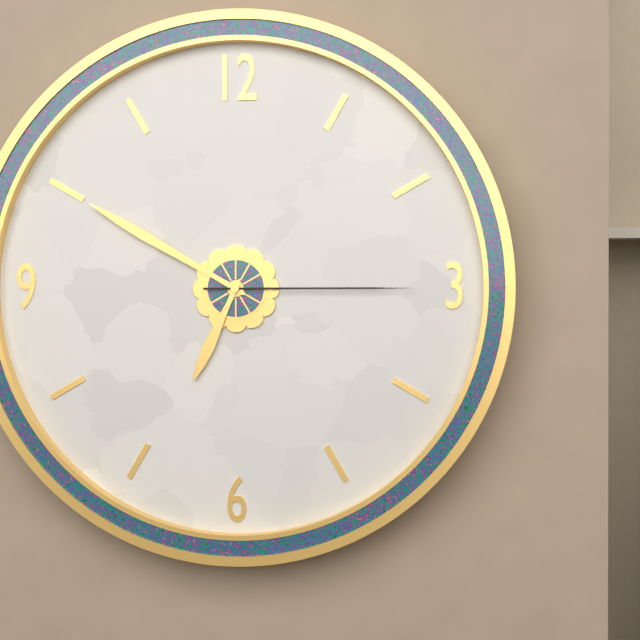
6:50:15
